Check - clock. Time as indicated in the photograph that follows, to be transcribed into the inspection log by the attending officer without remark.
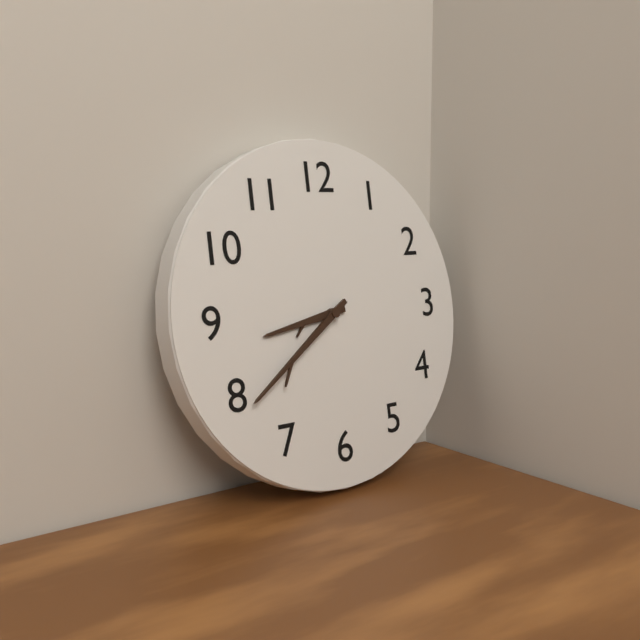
8:39
